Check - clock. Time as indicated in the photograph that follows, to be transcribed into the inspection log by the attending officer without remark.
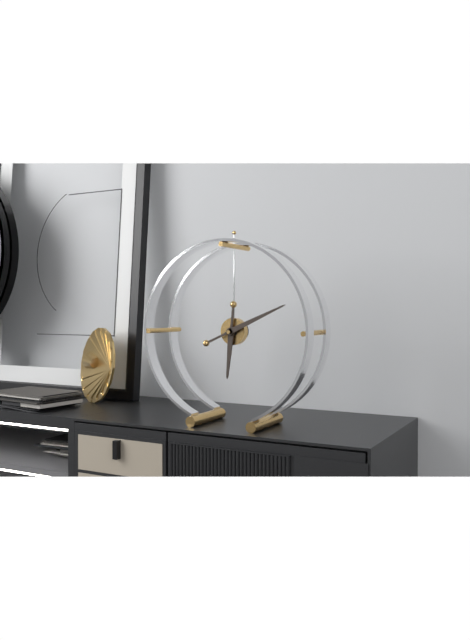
6:11
